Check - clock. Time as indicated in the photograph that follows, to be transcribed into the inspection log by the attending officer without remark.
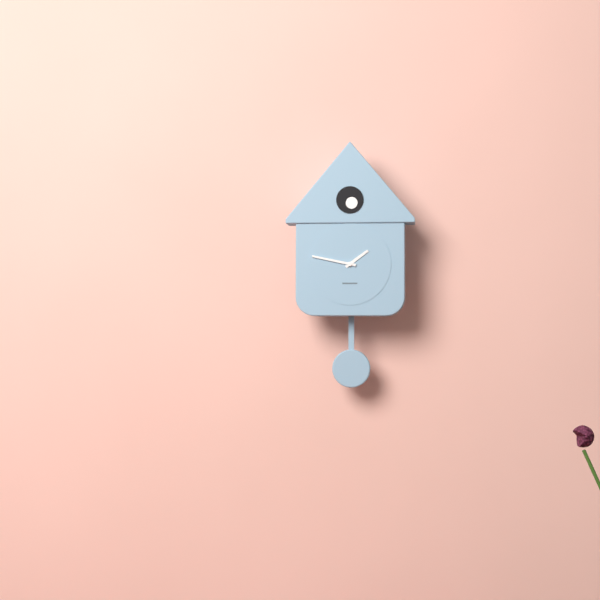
1:47
